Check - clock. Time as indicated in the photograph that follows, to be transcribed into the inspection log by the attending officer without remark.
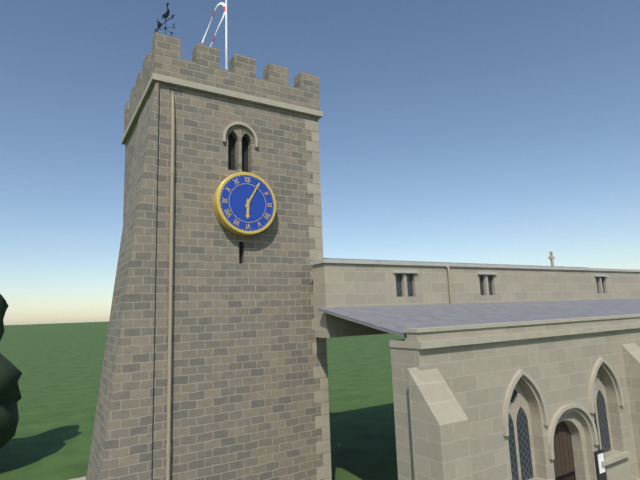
6:05
